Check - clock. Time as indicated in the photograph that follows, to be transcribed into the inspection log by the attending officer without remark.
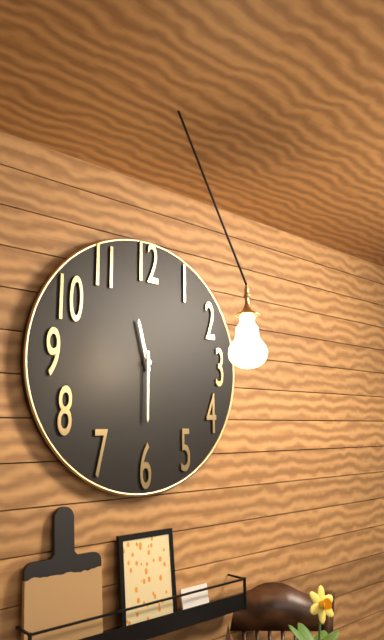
11:30
